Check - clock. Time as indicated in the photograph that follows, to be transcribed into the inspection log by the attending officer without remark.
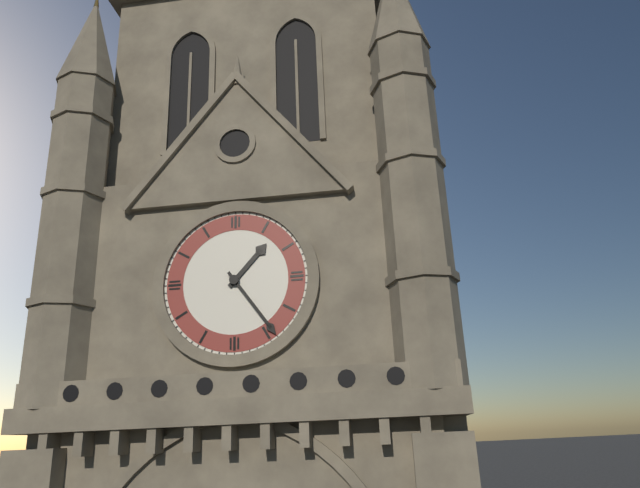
1:24
